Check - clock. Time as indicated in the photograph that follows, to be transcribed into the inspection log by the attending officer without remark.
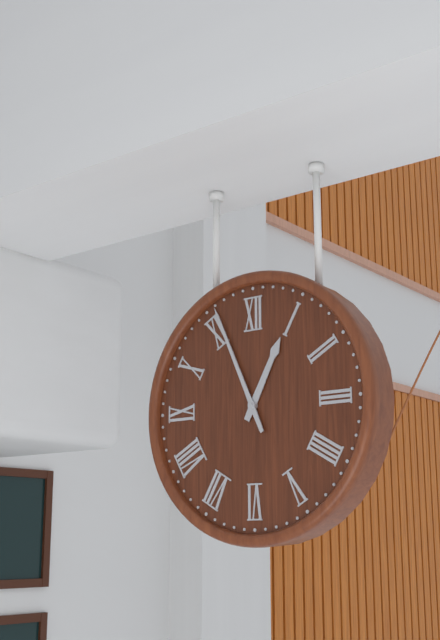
12:56
